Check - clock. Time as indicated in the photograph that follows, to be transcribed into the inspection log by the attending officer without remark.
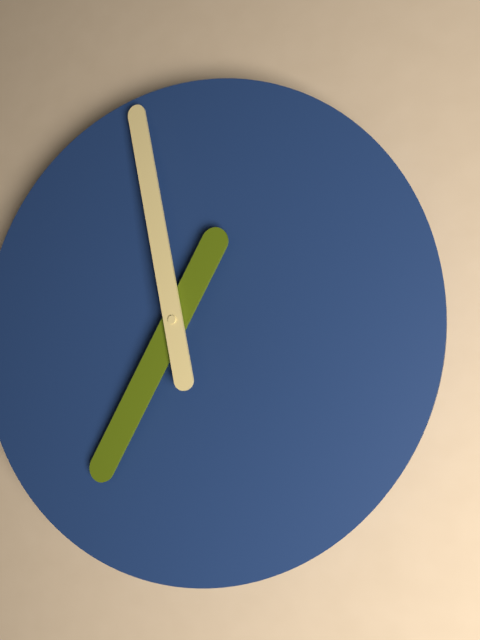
6:58
